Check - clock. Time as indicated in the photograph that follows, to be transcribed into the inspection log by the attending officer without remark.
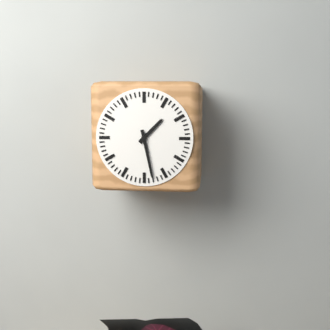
1:28
